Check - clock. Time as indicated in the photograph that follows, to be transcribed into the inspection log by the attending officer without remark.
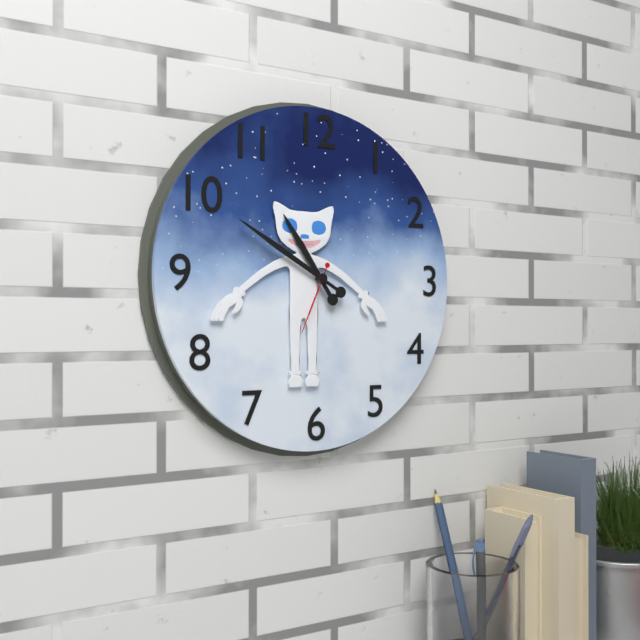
10:50:34
